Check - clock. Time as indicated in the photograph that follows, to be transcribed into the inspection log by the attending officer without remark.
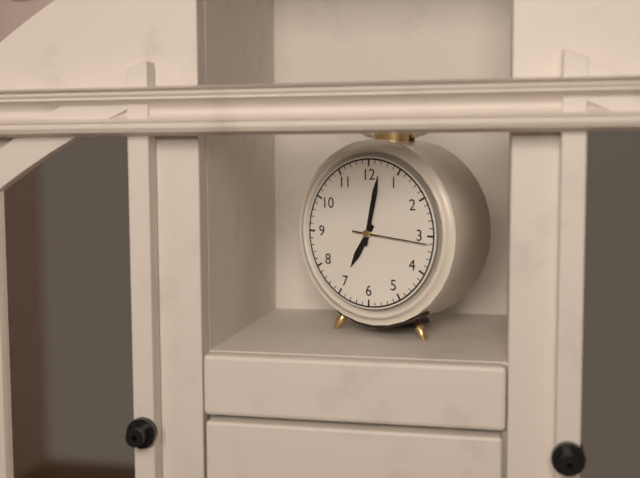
7:02:16
